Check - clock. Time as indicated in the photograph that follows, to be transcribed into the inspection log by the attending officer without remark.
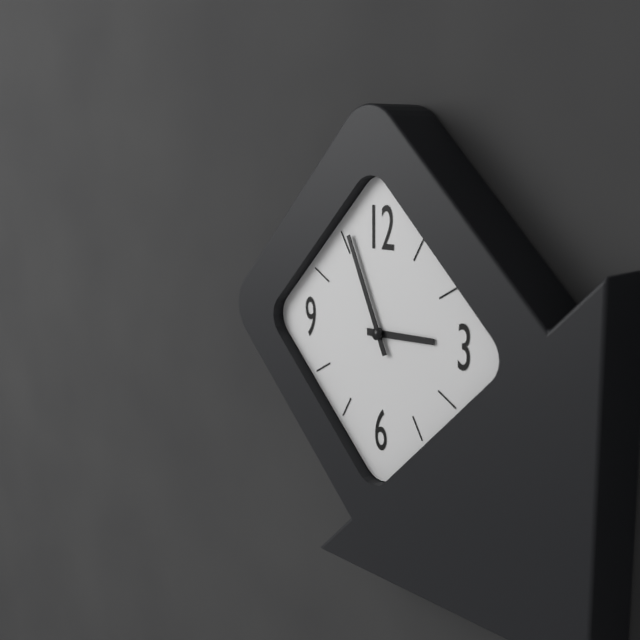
2:56
